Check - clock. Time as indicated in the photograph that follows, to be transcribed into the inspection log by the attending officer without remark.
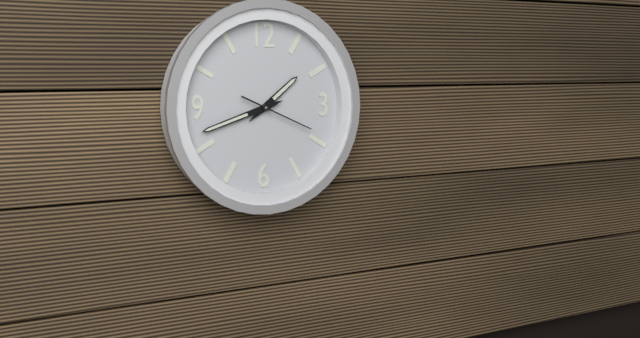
1:42:19
